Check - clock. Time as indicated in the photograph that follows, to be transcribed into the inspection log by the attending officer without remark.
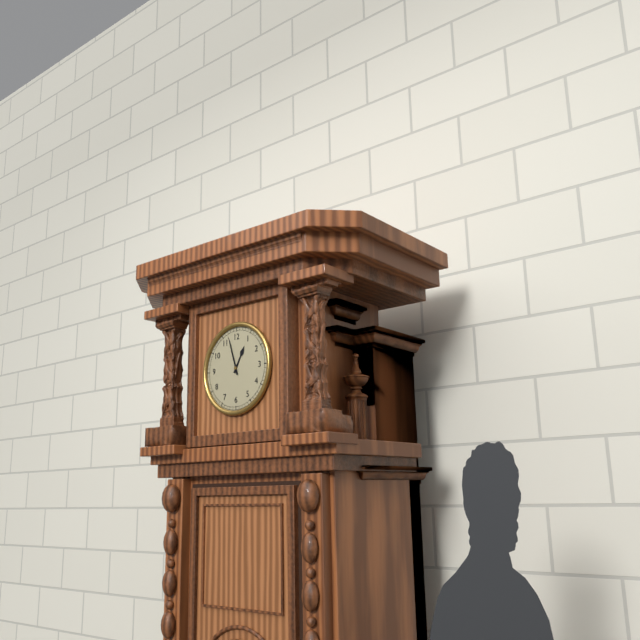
12:57
